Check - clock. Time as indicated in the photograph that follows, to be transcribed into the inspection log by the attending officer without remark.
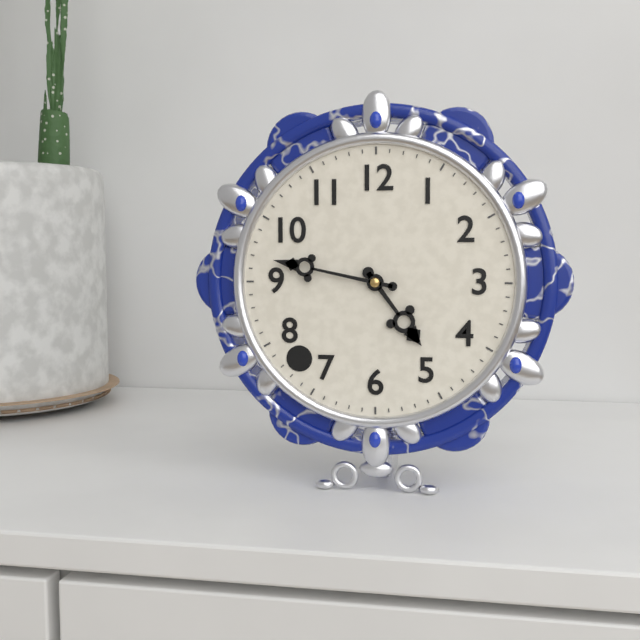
4:47
